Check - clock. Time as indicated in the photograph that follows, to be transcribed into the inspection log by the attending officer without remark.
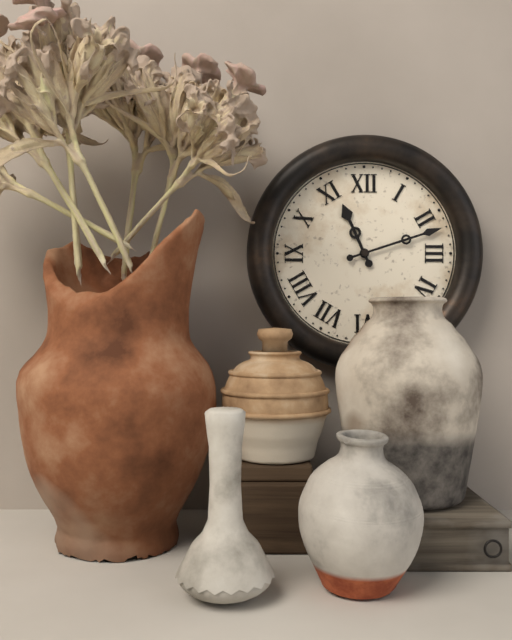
11:12
